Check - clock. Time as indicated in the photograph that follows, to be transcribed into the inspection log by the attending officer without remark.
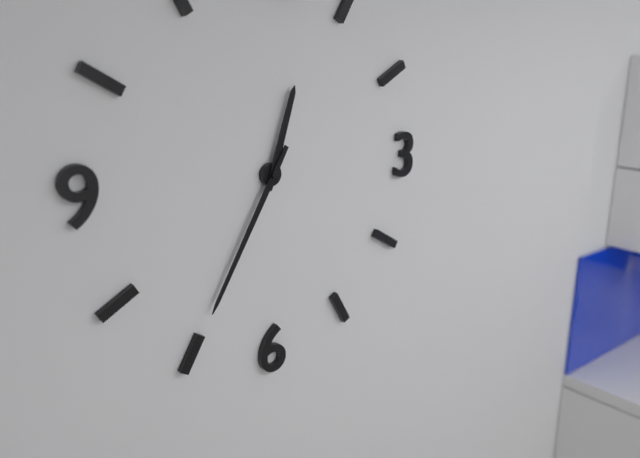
12:35
